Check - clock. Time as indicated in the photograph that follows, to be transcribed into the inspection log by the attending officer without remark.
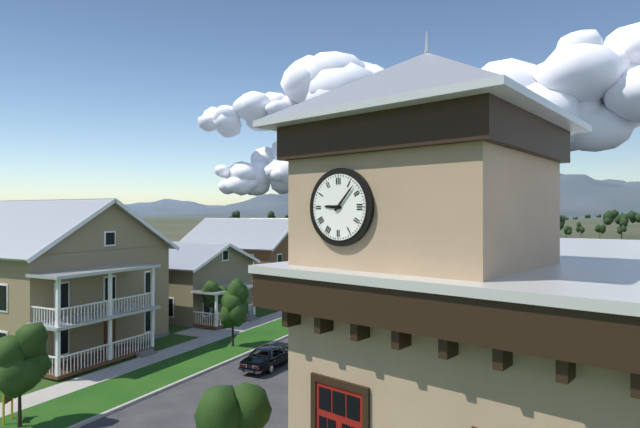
9:07
